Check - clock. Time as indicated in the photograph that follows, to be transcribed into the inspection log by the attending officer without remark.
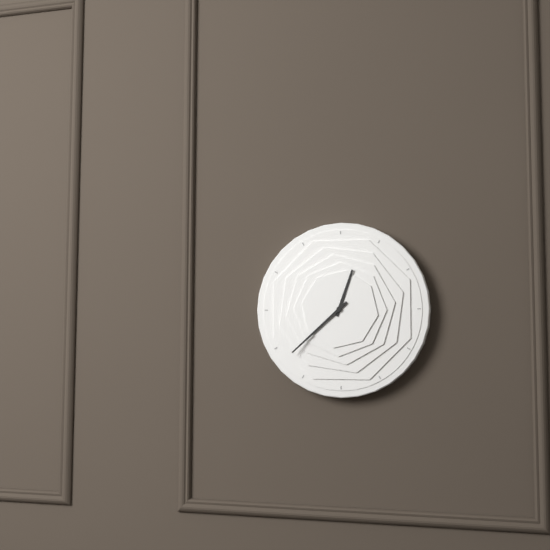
12:38
